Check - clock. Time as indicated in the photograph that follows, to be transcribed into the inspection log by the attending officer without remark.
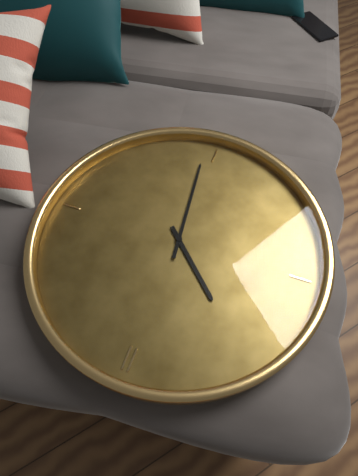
10:29
